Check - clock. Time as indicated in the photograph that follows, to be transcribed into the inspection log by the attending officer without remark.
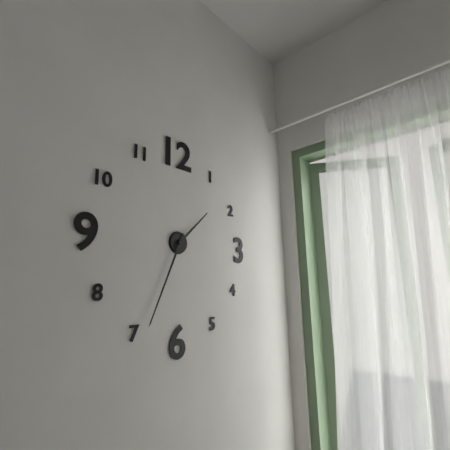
1:34
